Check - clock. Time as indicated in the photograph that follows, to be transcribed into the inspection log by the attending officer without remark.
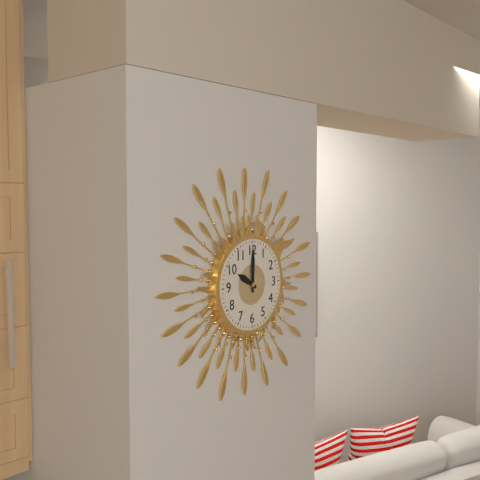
10:00
